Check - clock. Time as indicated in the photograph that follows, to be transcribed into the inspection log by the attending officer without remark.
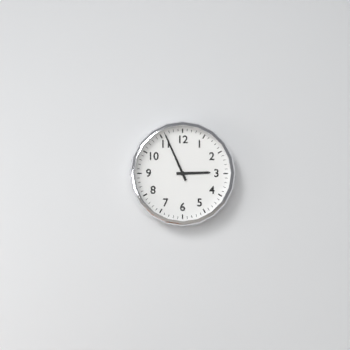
2:56
